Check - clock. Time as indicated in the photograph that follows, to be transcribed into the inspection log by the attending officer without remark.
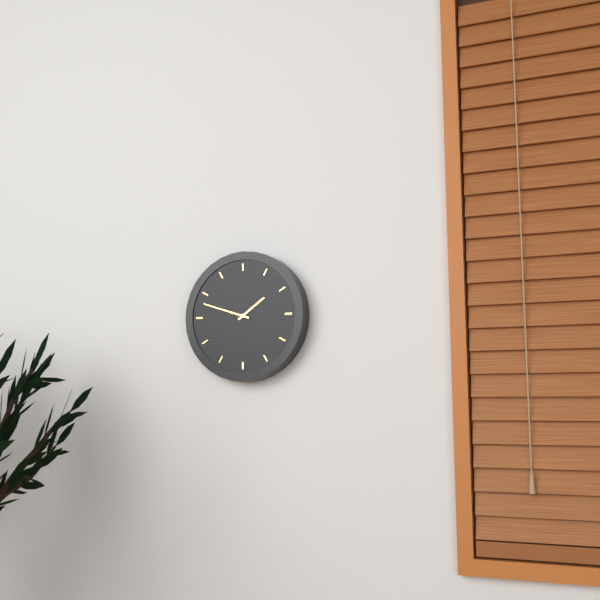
1:48
